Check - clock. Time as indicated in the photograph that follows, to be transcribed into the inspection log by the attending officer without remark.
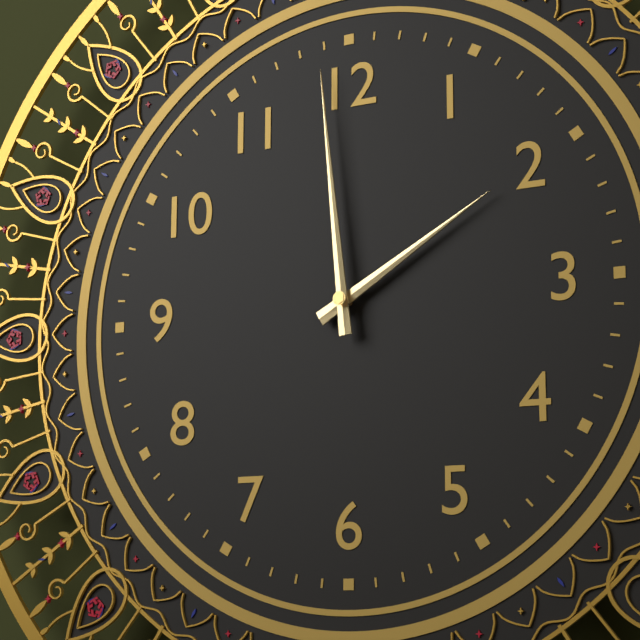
1:59
